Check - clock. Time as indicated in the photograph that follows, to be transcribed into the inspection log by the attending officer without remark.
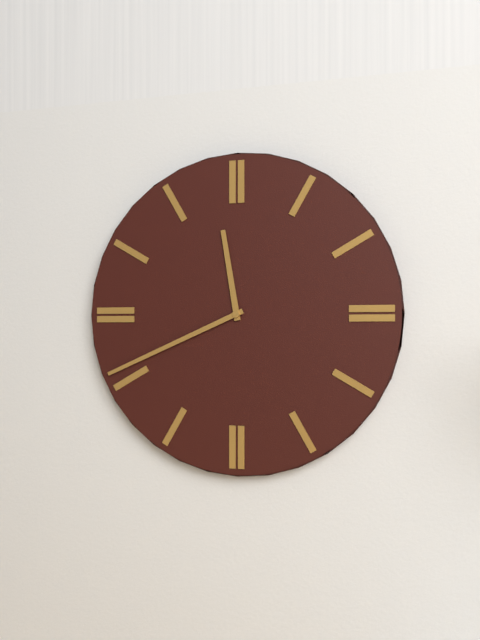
11:41
